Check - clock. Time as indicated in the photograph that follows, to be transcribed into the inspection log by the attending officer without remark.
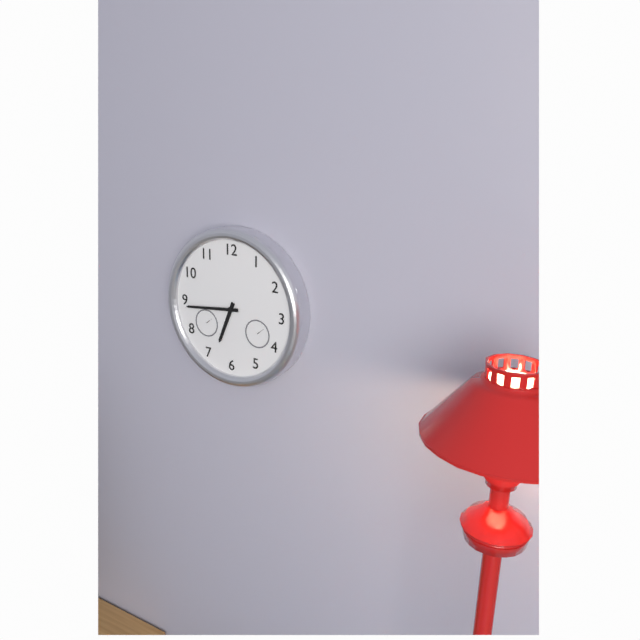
6:44
